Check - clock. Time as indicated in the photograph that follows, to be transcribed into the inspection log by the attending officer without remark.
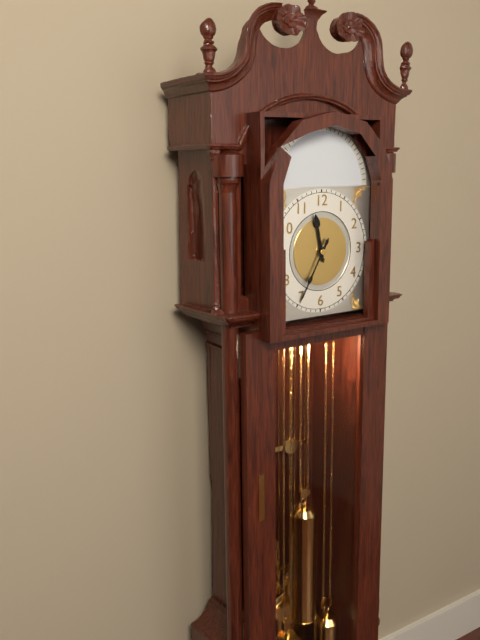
11:35
